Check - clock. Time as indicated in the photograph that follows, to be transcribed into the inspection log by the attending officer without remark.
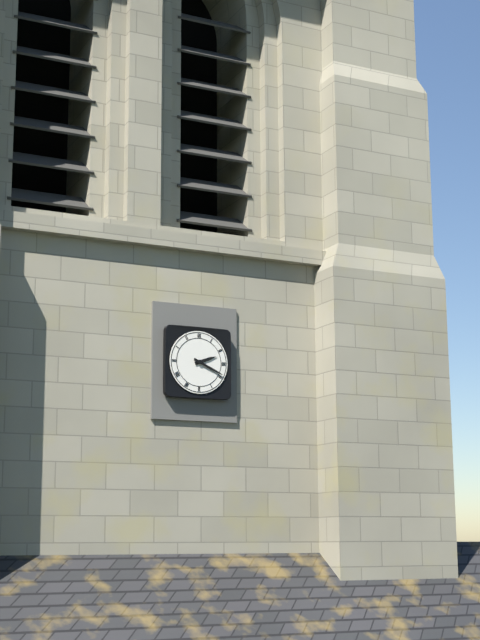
2:19
